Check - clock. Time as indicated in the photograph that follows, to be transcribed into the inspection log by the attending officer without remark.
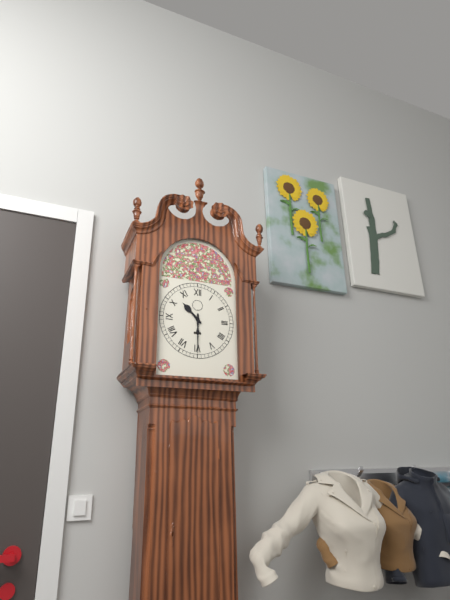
10:30
